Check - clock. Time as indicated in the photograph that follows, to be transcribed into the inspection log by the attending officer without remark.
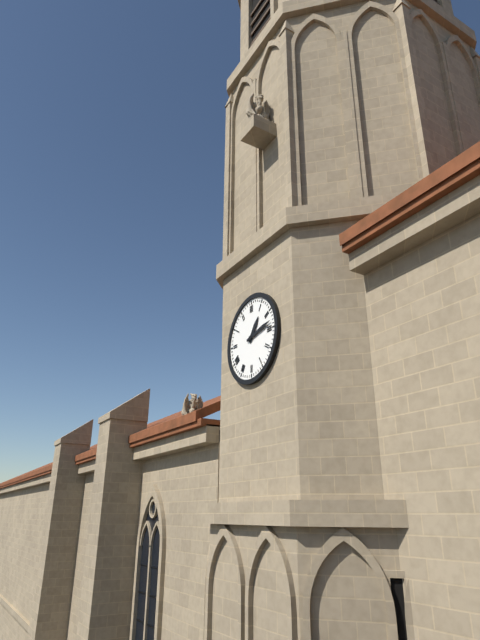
1:13
